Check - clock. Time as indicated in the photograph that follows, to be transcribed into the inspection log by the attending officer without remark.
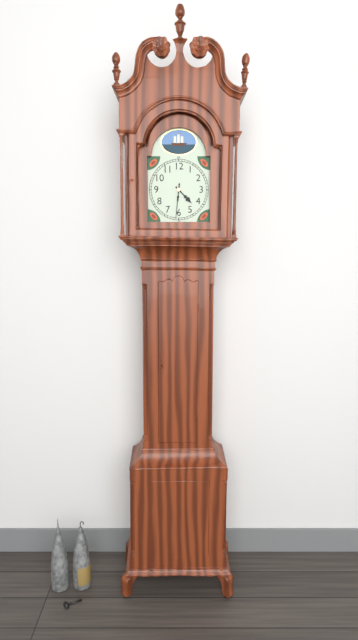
4:31
